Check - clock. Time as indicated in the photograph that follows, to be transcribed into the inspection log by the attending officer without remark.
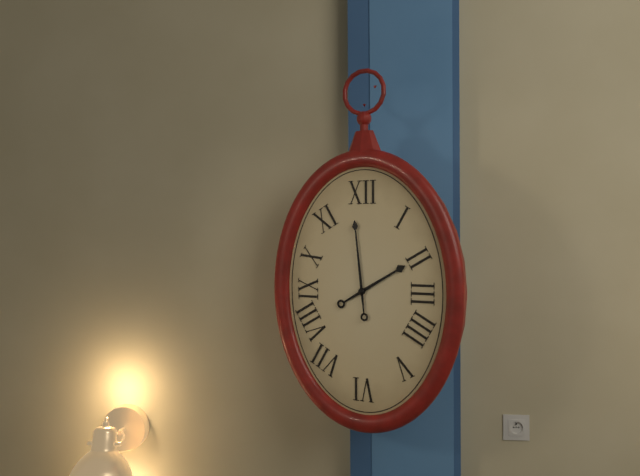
1:59
